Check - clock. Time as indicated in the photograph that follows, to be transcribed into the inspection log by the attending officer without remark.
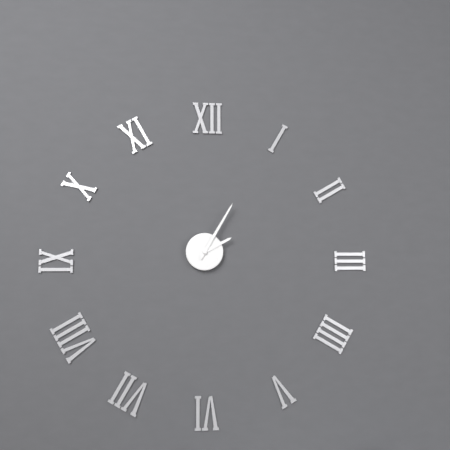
2:05
